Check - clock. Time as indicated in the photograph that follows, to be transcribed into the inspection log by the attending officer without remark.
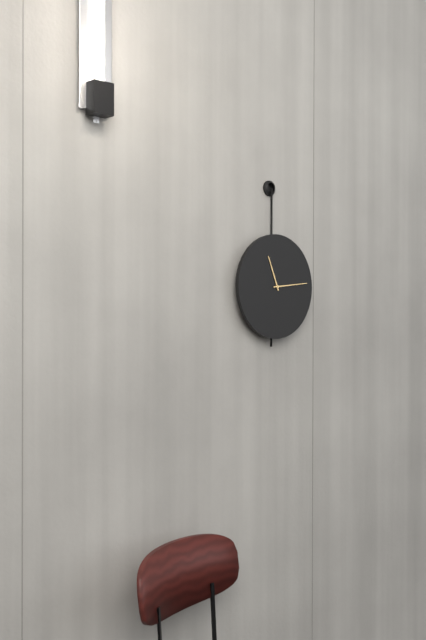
11:14
